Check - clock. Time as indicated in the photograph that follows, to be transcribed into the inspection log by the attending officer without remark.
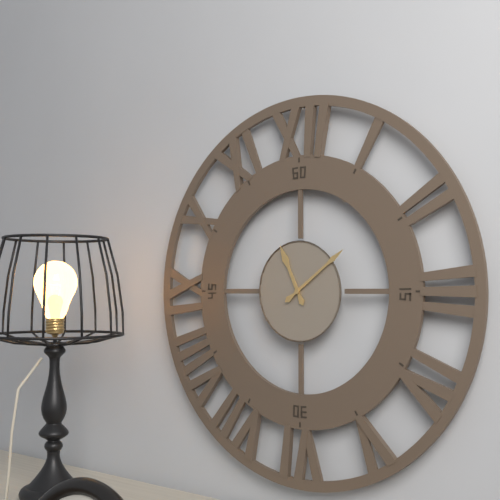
11:09
